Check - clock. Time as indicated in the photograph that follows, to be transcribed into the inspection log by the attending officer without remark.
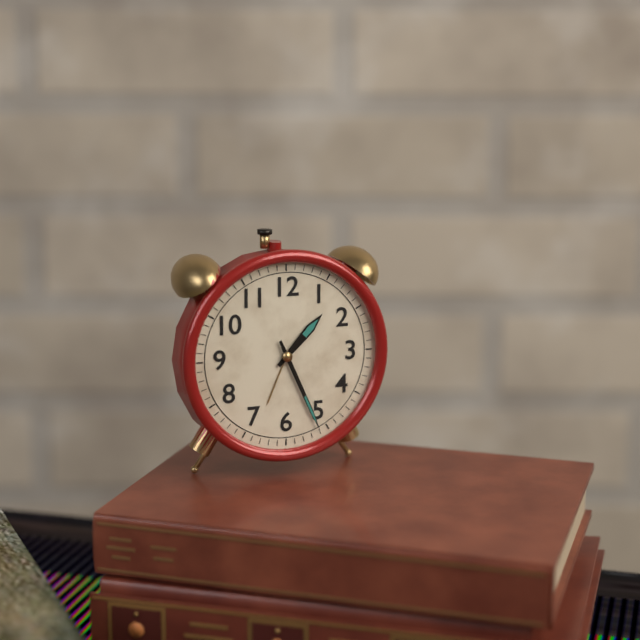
1:26
